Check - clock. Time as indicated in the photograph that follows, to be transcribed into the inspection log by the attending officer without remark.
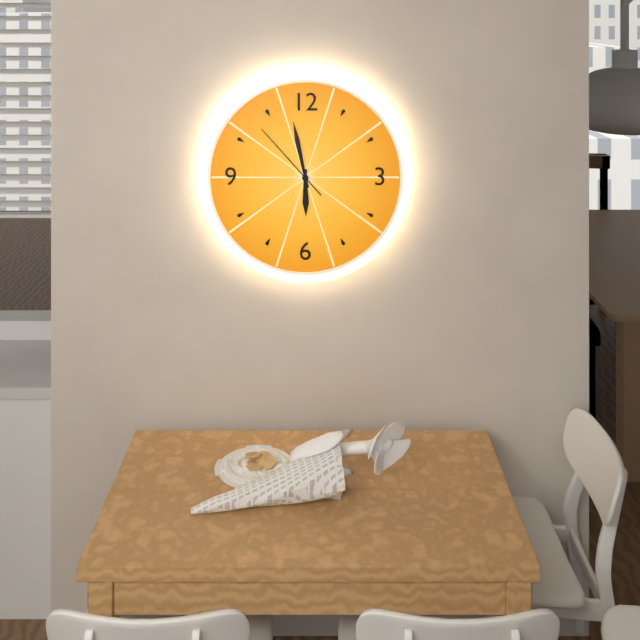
5:58:53
